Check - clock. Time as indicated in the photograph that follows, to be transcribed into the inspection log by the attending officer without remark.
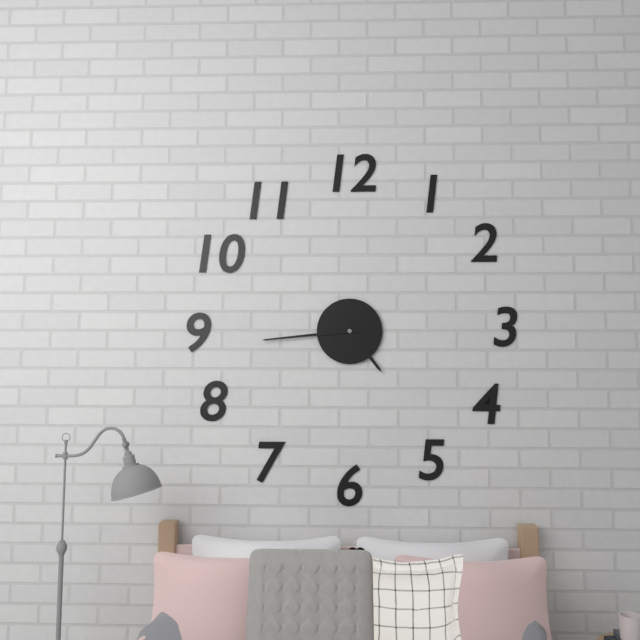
4:44
